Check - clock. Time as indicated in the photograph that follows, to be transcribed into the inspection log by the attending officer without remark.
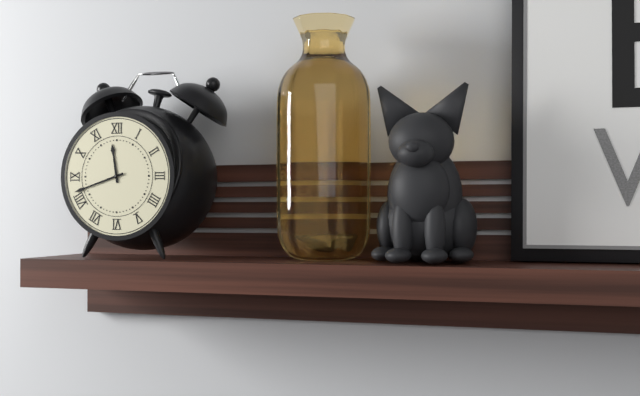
11:42
